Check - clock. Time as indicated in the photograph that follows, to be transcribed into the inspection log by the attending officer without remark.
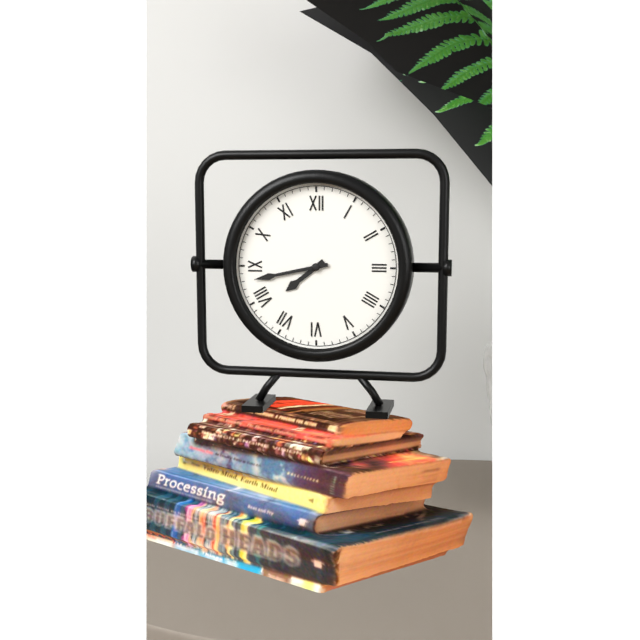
7:43
